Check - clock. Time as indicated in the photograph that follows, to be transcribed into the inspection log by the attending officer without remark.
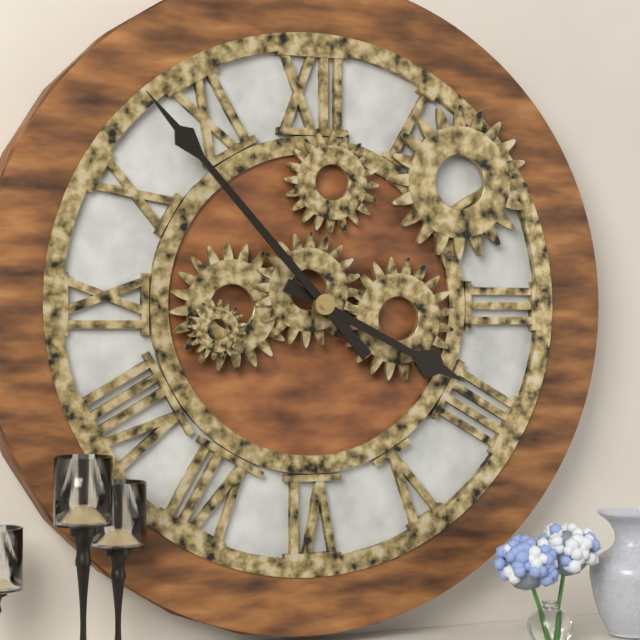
3:53
